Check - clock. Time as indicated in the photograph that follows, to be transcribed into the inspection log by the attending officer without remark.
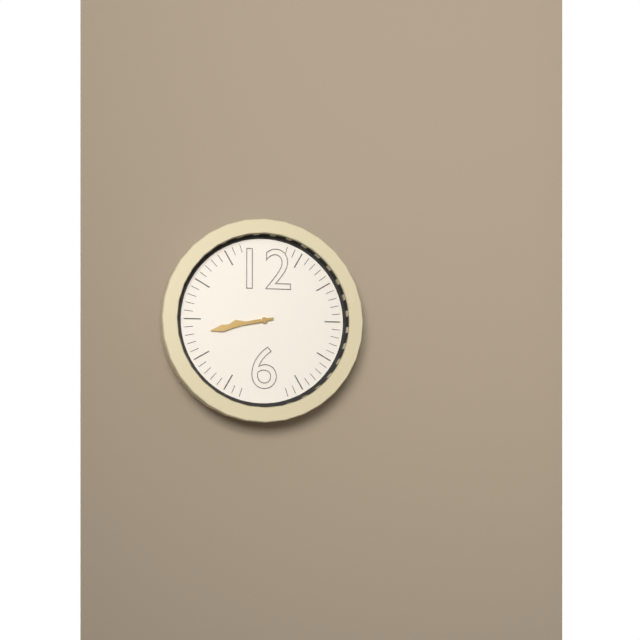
8:43
